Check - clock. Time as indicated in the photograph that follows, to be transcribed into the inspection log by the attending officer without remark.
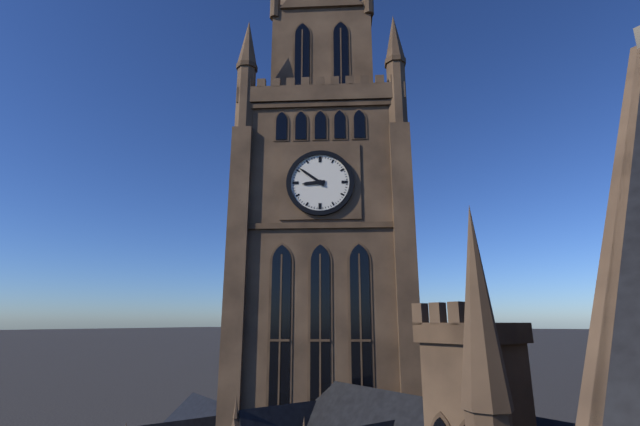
8:51
